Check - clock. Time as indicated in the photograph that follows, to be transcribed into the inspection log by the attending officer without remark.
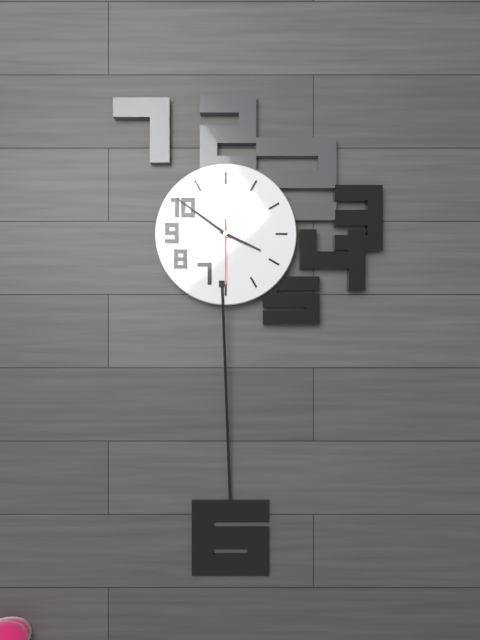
3:51:30
